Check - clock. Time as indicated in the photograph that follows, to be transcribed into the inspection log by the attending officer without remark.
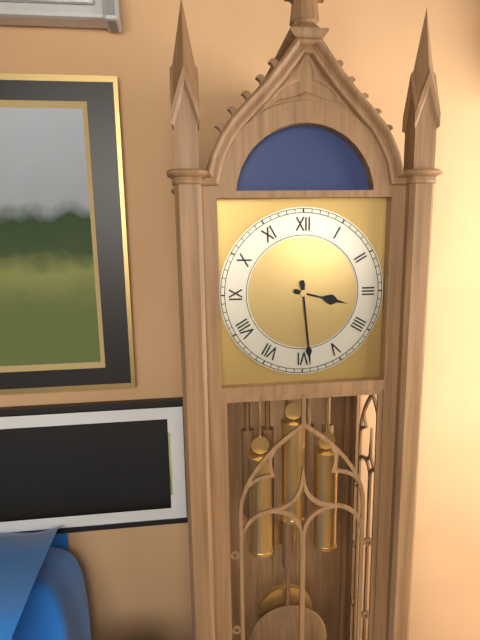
3:29
